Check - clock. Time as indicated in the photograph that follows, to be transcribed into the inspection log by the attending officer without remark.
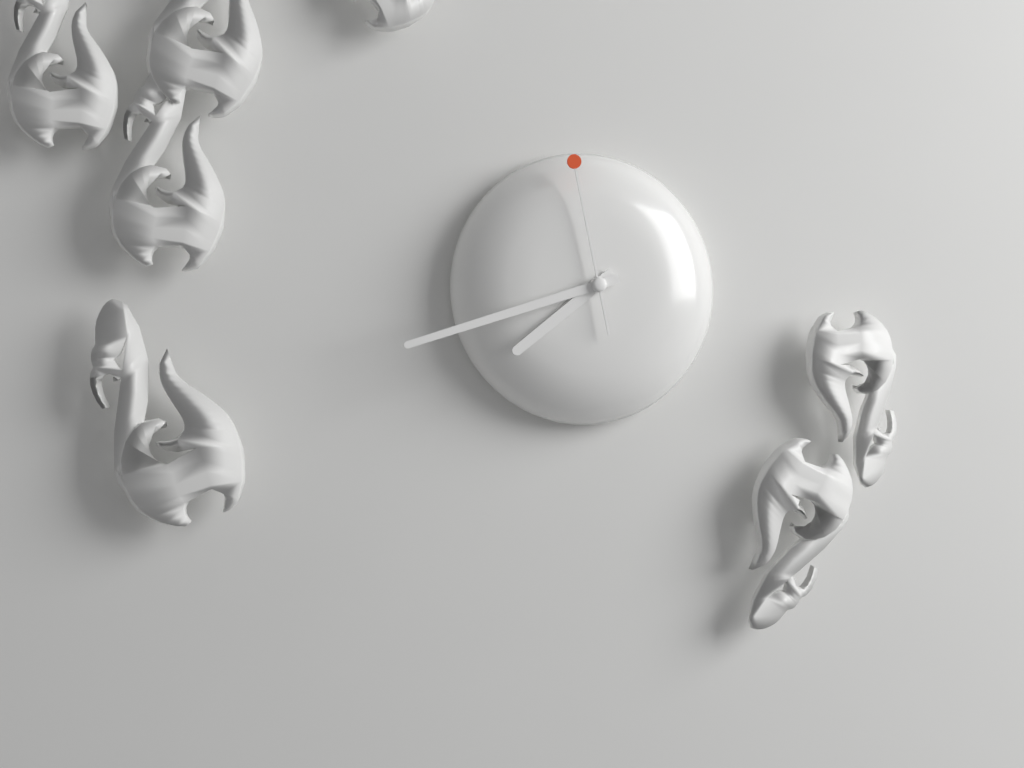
7:42:58
